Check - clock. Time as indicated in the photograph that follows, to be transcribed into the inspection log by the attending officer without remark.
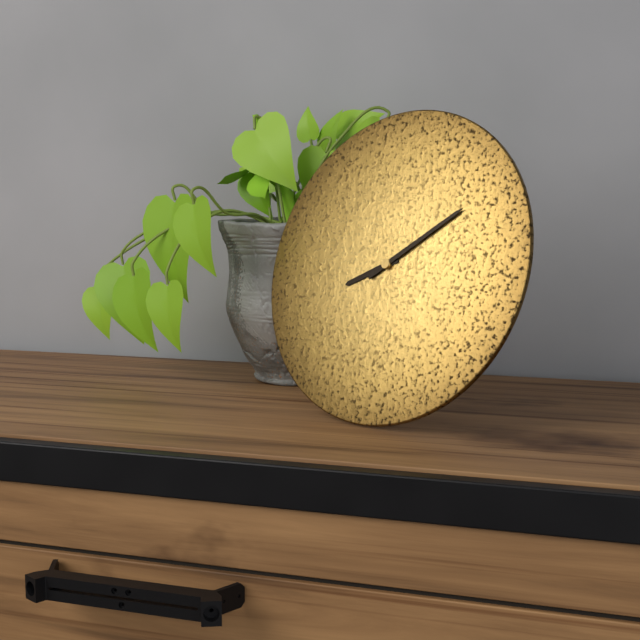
8:09
